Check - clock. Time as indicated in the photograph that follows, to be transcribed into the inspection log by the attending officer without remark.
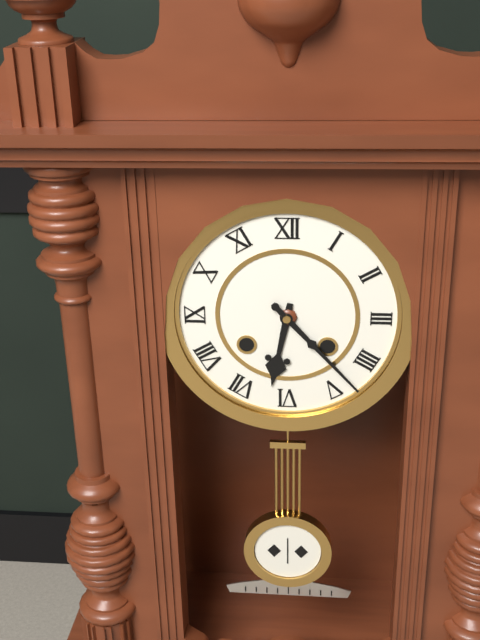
6:23
